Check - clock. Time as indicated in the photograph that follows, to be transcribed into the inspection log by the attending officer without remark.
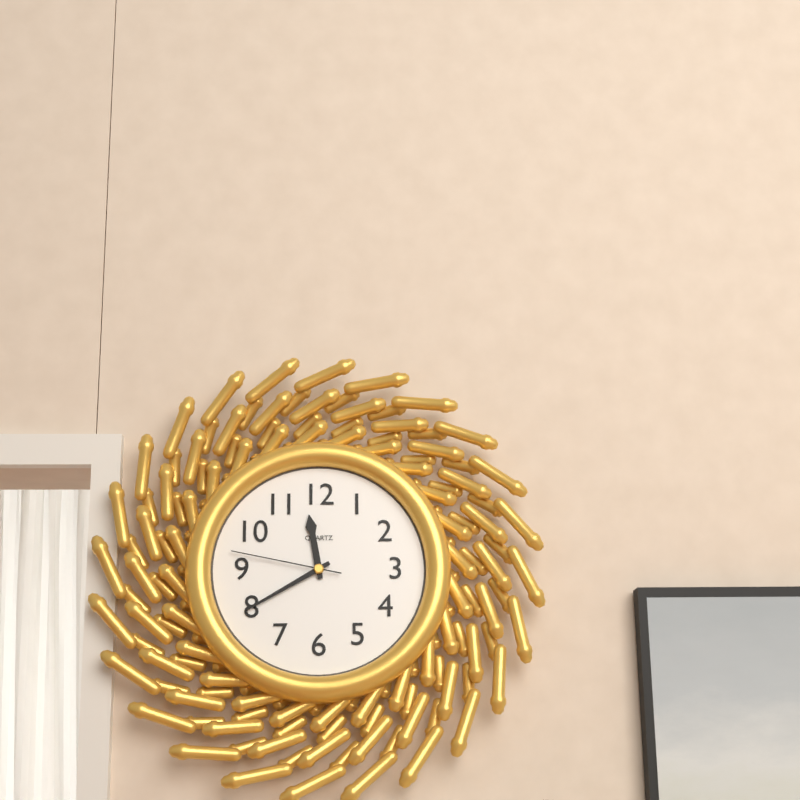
11:40:47
